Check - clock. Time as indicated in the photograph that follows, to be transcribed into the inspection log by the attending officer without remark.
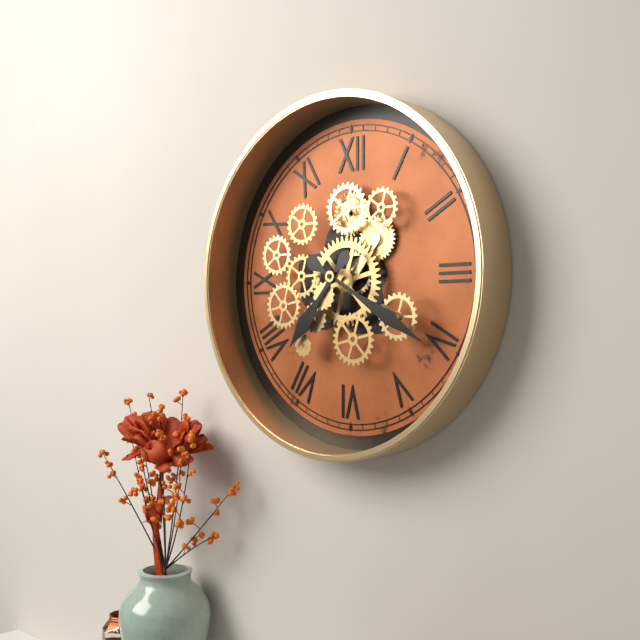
7:20
